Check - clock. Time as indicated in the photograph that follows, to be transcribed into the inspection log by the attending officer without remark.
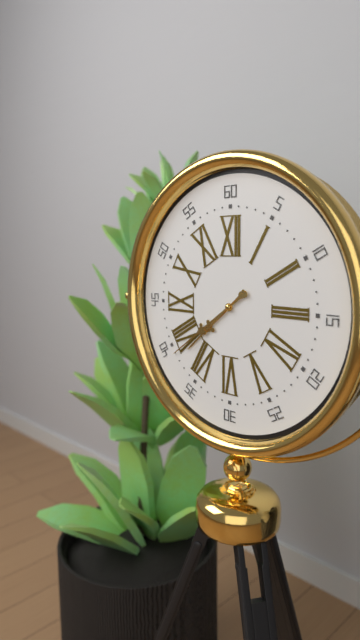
7:39:38
